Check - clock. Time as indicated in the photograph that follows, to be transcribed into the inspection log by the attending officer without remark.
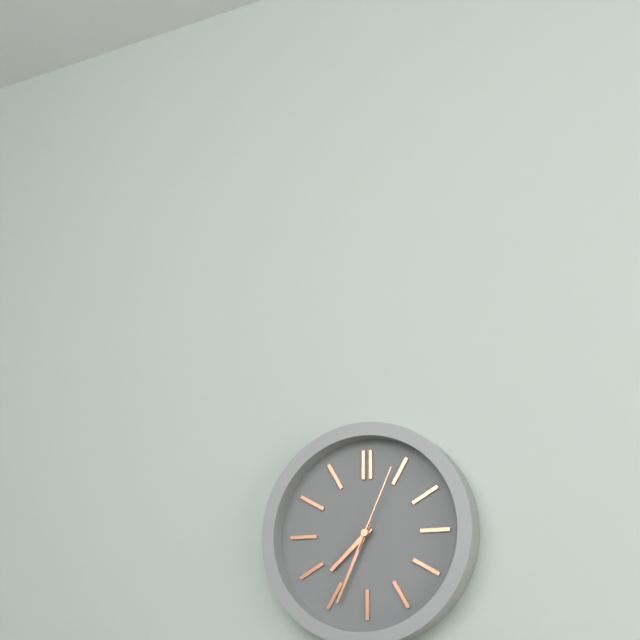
7:34:04
